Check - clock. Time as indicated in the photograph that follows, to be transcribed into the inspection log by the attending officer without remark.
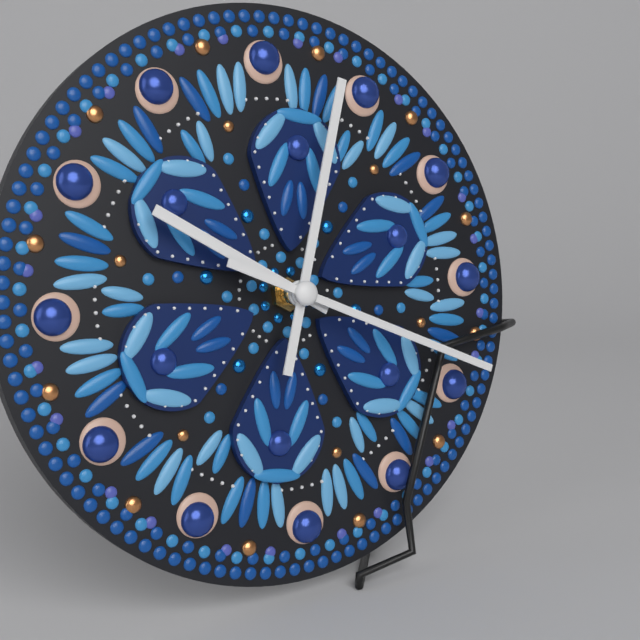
10:03:19
